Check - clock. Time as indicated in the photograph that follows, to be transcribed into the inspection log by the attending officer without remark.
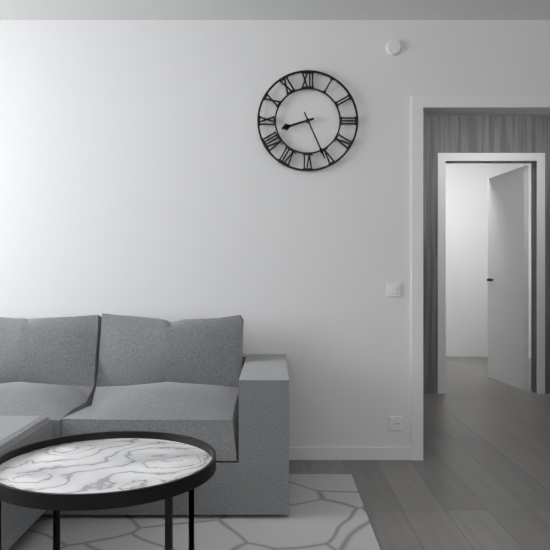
8:26
